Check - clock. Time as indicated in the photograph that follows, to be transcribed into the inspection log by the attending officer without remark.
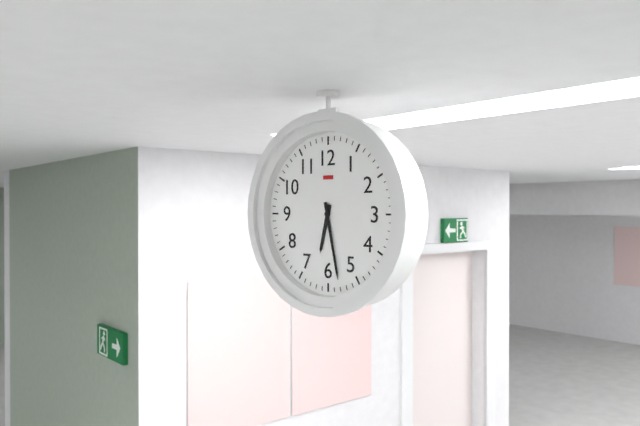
6:28
